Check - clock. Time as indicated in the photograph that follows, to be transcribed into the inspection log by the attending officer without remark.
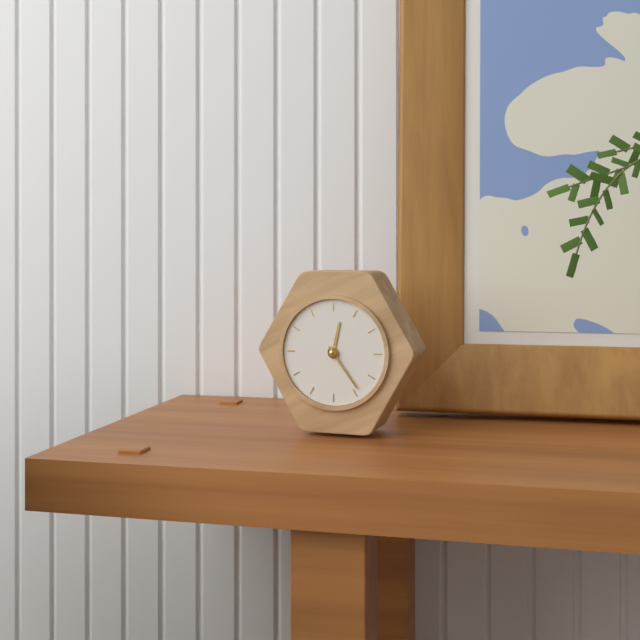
12:24
